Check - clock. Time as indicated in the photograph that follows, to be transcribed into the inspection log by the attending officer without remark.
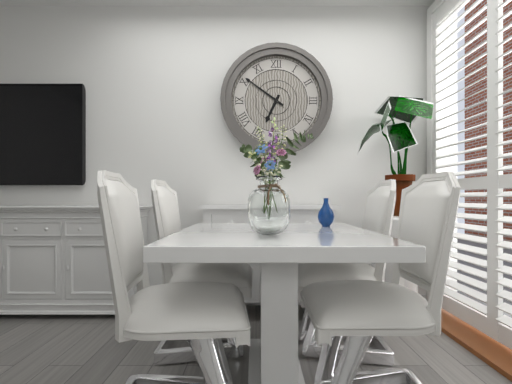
6:51
